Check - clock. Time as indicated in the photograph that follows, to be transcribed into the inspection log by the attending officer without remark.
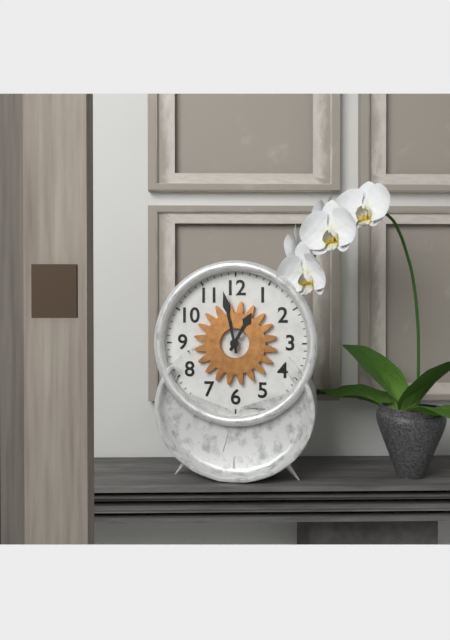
12:58
